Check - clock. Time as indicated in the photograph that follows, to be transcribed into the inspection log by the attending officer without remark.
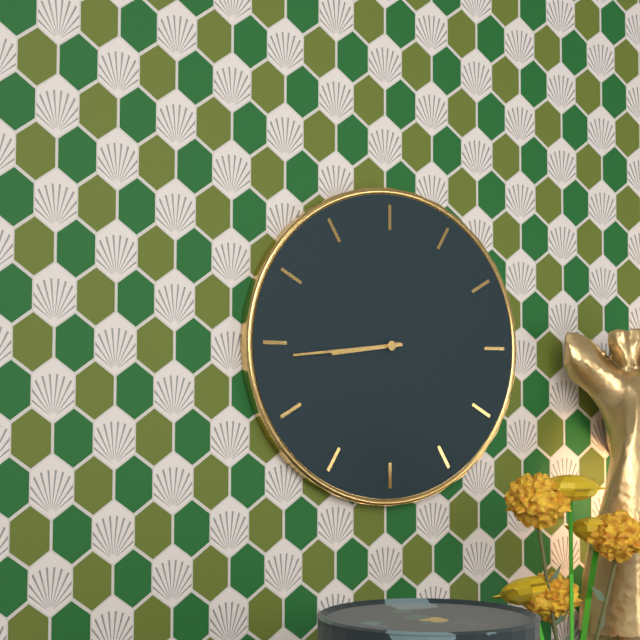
8:44
